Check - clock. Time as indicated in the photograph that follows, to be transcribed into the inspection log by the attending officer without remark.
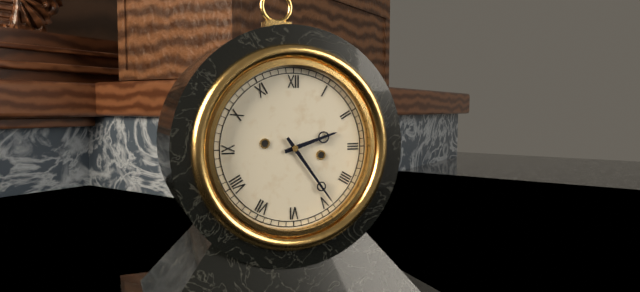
2:24
